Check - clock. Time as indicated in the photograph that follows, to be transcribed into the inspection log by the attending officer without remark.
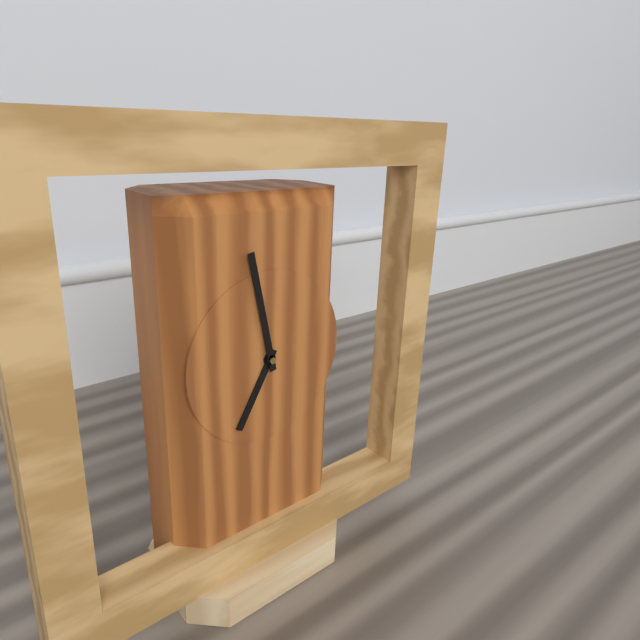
6:58
